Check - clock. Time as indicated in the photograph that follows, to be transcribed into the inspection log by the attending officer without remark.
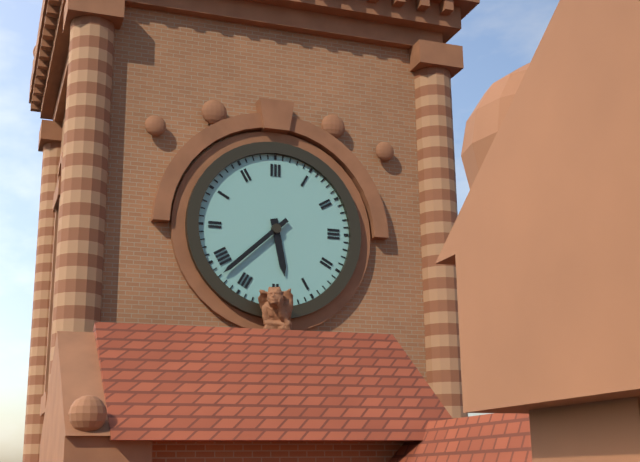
5:38
